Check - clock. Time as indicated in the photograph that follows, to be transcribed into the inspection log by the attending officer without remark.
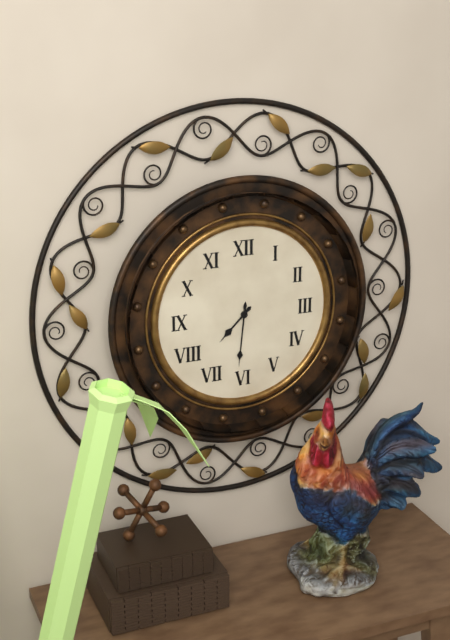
7:31
